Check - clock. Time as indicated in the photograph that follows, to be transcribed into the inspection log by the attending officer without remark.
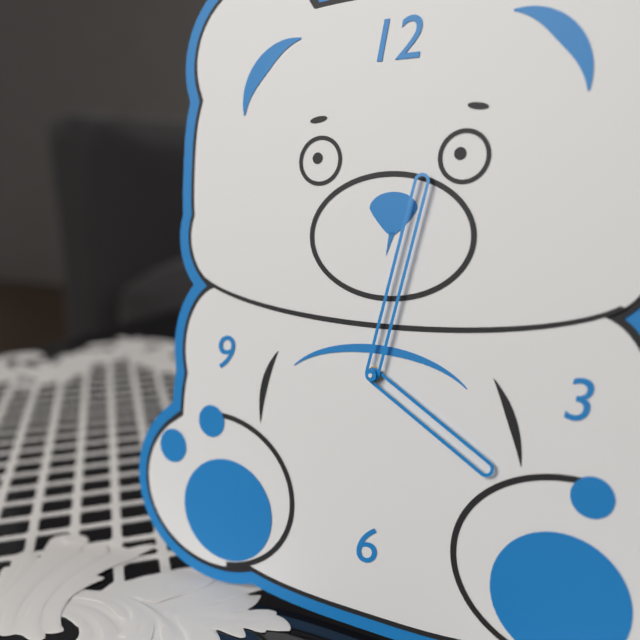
4:02
